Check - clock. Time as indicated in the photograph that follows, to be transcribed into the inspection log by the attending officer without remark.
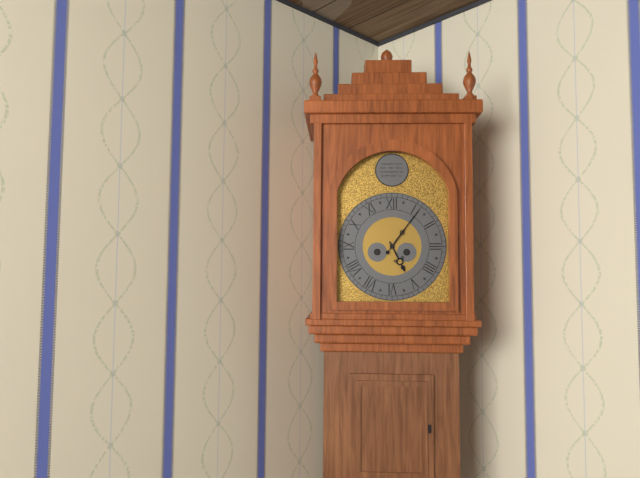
5:06
